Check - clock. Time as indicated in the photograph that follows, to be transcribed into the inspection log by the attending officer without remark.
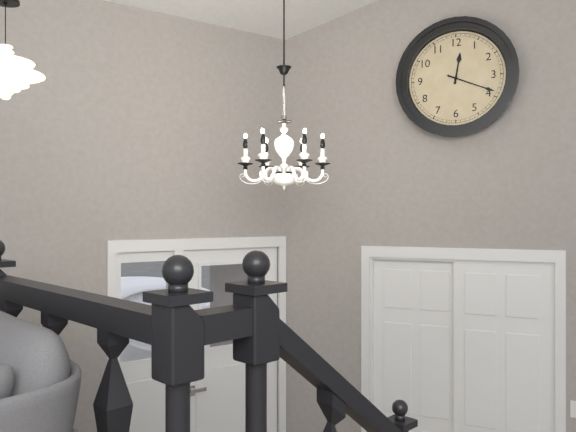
12:19
